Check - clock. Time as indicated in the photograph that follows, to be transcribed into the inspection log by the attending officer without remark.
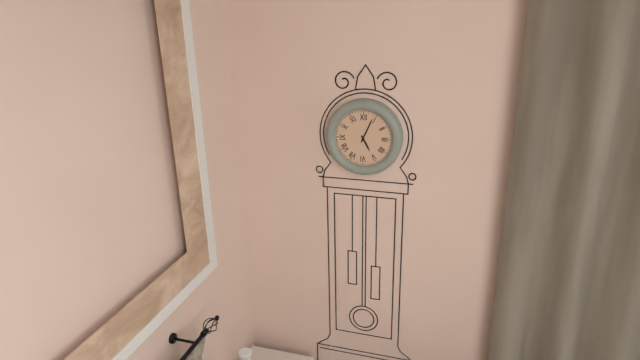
5:04
